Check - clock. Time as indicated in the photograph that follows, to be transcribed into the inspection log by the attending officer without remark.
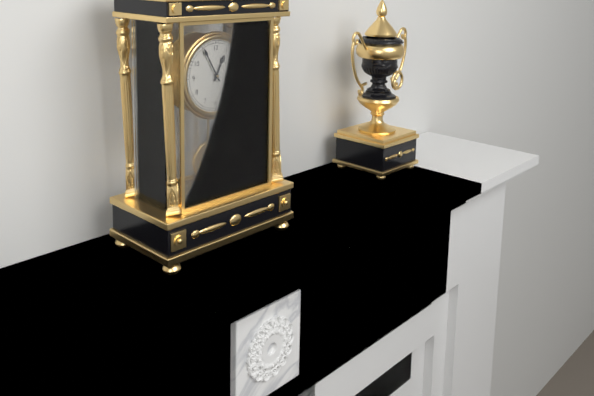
12:55
